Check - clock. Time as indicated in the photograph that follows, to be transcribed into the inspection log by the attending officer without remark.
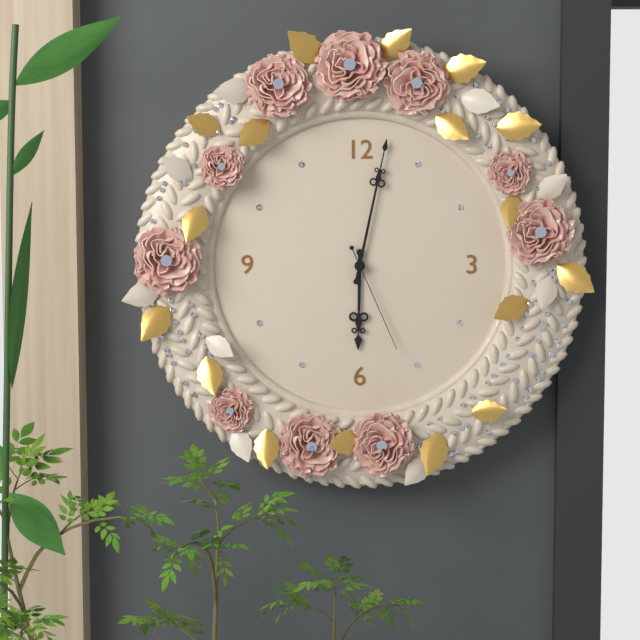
6:02:26
